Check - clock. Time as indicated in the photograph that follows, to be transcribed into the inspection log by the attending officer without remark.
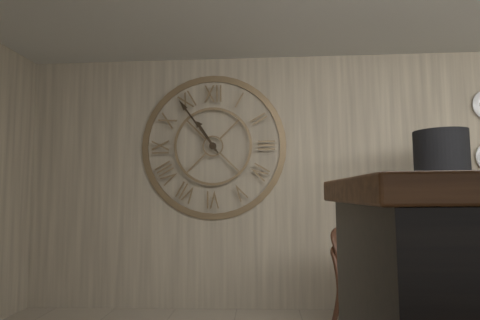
10:54
